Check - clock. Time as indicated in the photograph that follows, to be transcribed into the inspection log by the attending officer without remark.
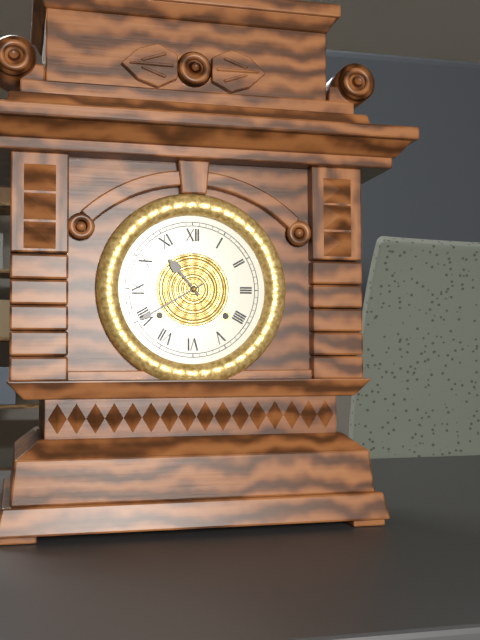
10:40
